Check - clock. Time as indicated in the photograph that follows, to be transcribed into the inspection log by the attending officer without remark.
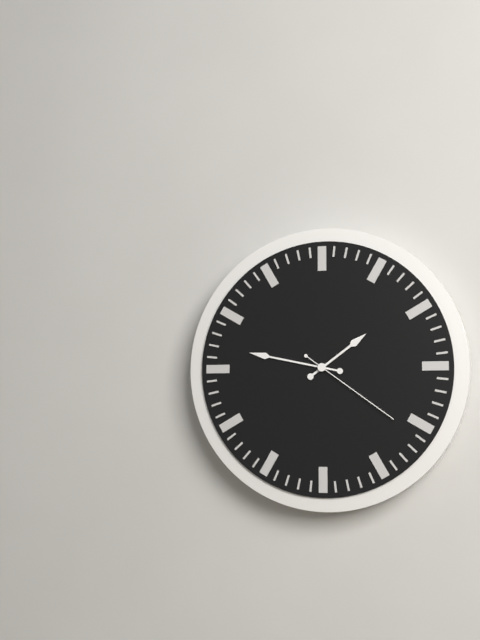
1:47:21
